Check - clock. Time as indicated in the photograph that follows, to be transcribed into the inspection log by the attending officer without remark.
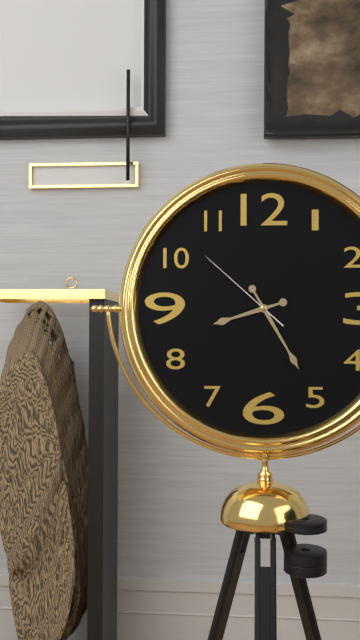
8:25:52
